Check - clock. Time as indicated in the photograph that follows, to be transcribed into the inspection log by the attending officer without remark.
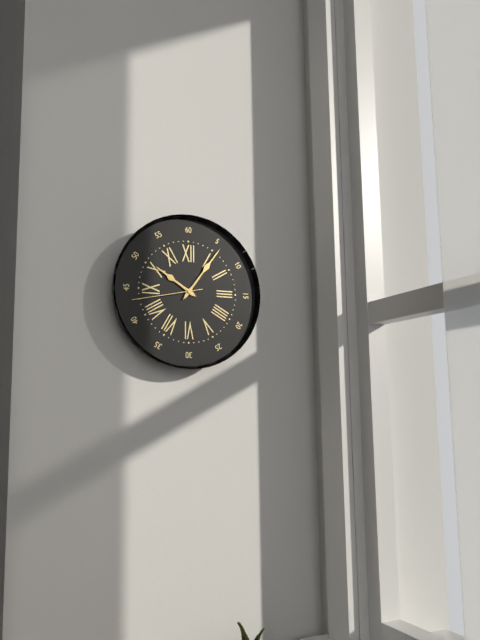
10:06:43
